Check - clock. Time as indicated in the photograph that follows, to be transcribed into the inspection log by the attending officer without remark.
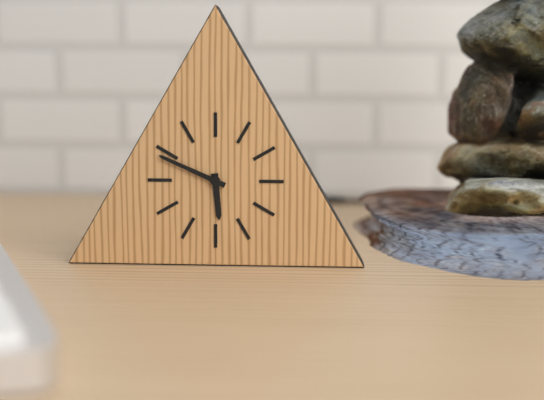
5:49
